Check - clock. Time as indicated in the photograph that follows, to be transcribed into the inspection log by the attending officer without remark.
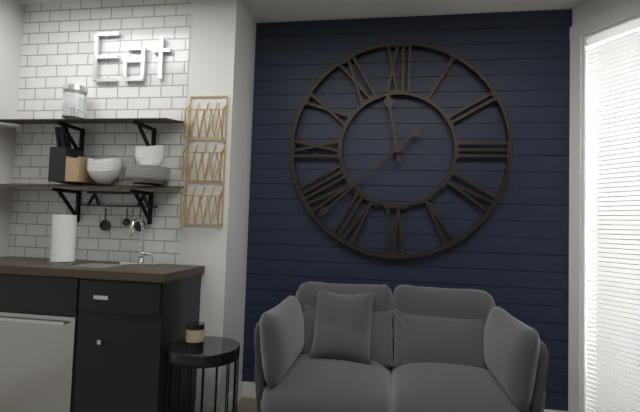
11:38
